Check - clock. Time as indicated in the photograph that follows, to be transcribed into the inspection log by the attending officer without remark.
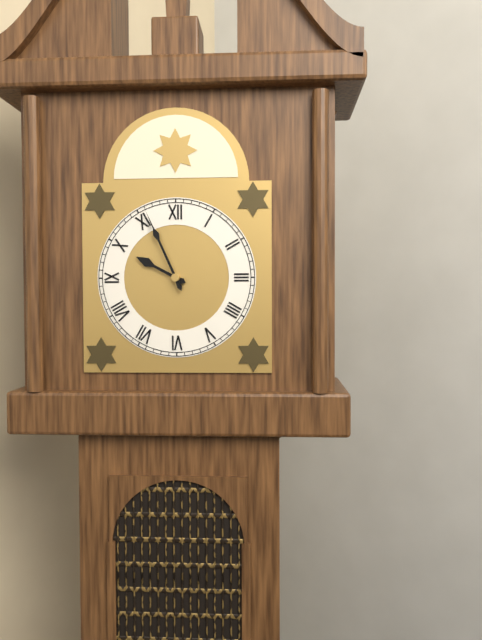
9:56
